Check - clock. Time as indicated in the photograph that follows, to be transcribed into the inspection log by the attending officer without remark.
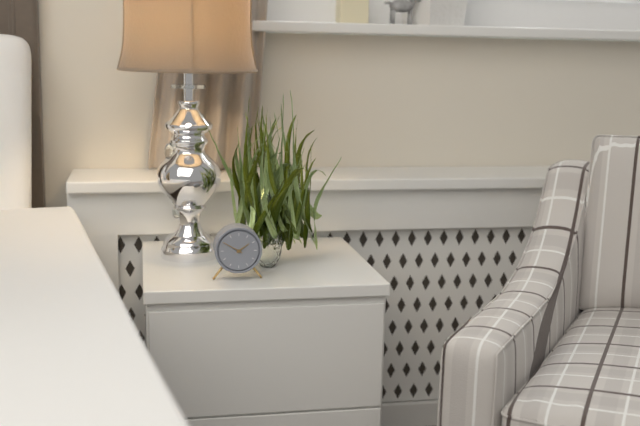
1:50
